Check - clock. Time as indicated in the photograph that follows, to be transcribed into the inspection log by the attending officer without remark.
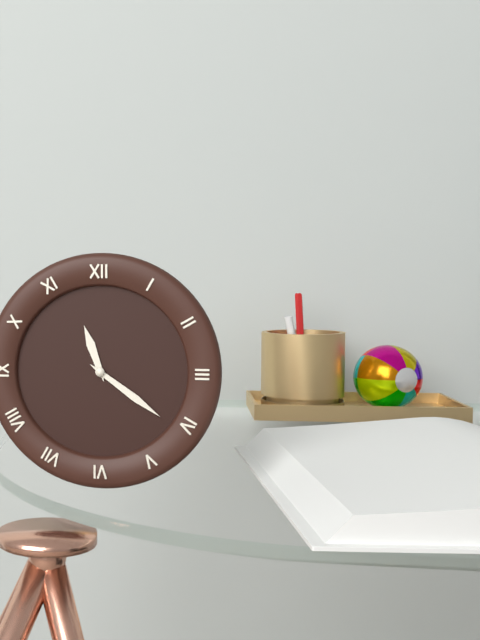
11:21
